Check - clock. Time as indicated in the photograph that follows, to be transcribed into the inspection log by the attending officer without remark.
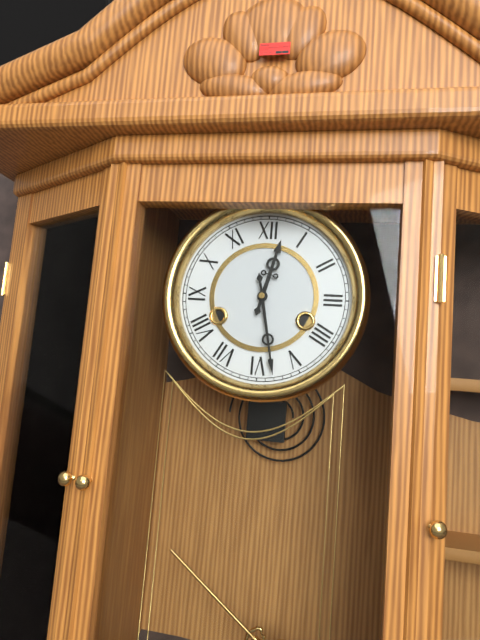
12:28
